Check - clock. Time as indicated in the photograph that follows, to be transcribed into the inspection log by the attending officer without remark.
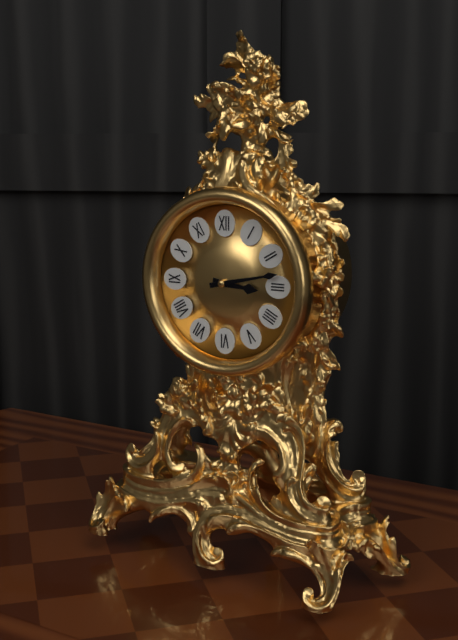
3:13
